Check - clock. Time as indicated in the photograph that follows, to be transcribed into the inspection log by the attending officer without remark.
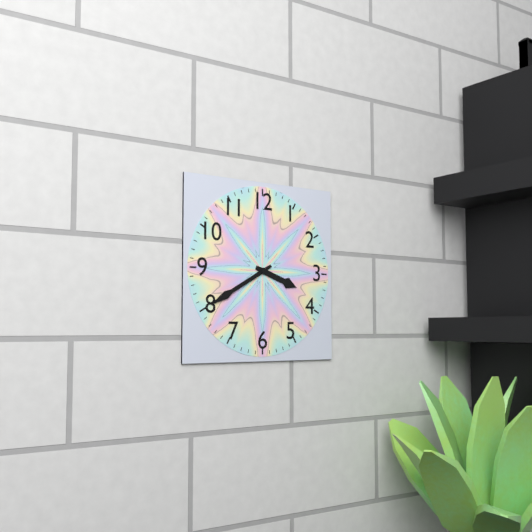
3:40
